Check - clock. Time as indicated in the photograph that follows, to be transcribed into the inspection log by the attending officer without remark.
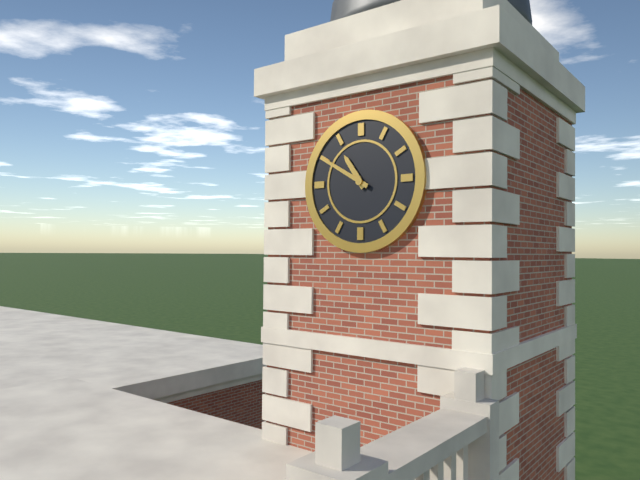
10:50
